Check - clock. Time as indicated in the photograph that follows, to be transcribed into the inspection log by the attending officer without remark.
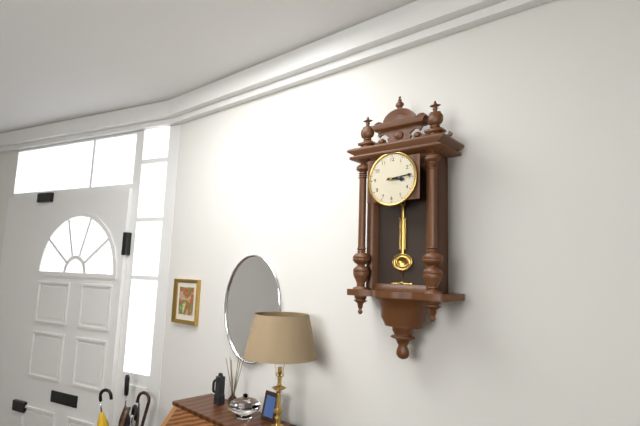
3:14
